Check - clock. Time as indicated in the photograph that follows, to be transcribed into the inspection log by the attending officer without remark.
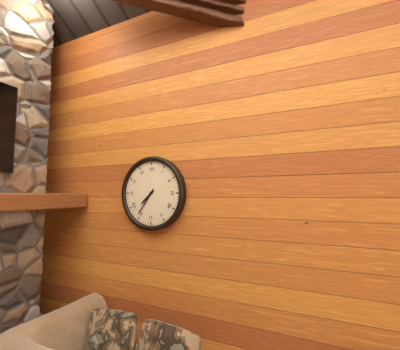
7:36
